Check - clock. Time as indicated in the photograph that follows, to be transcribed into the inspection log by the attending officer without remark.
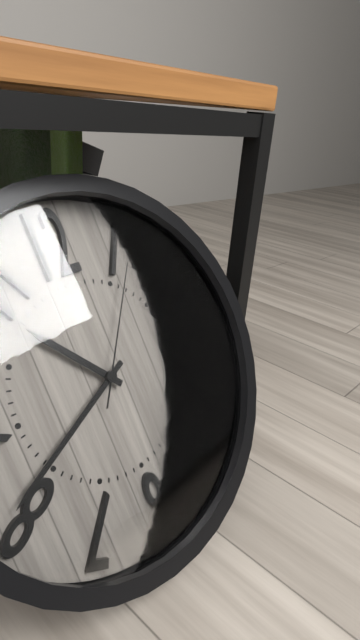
10:41:06
